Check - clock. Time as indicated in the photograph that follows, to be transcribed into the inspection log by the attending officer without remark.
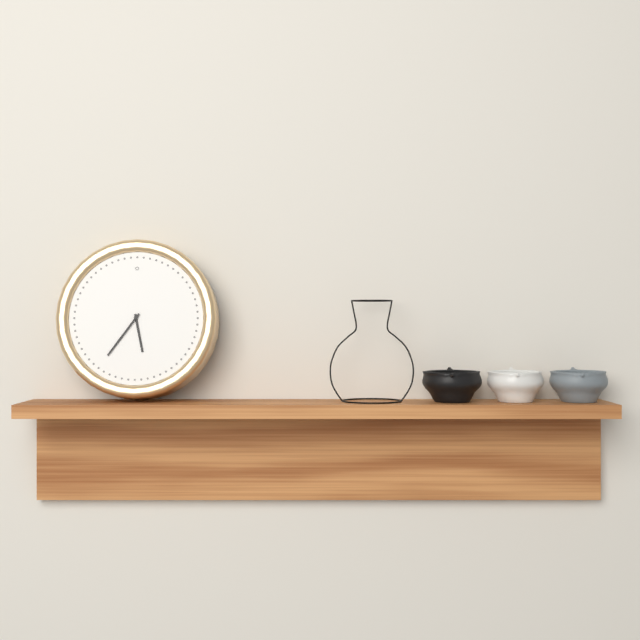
5:36
